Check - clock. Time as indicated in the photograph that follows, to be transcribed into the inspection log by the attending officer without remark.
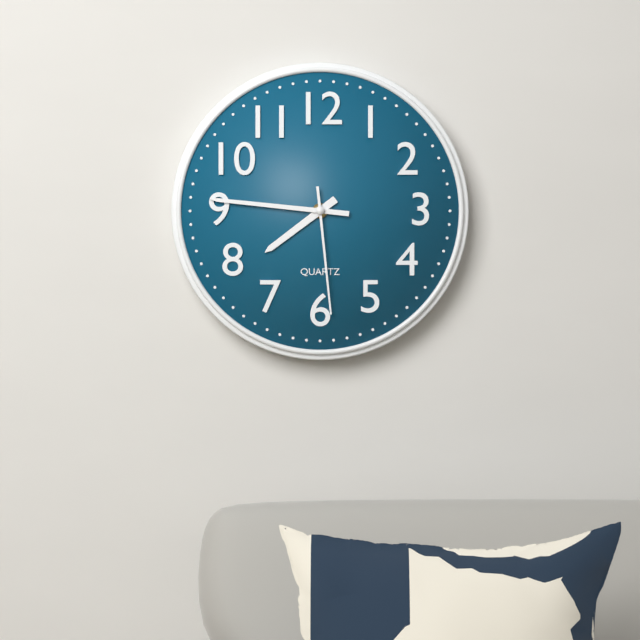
7:46:29
